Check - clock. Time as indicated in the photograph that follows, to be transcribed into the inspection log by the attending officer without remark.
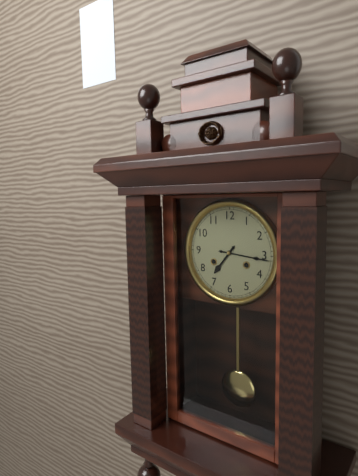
7:16
